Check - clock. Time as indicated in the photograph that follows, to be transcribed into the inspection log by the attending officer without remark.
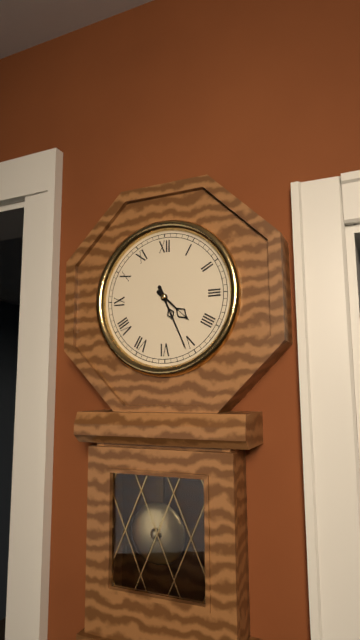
4:26
